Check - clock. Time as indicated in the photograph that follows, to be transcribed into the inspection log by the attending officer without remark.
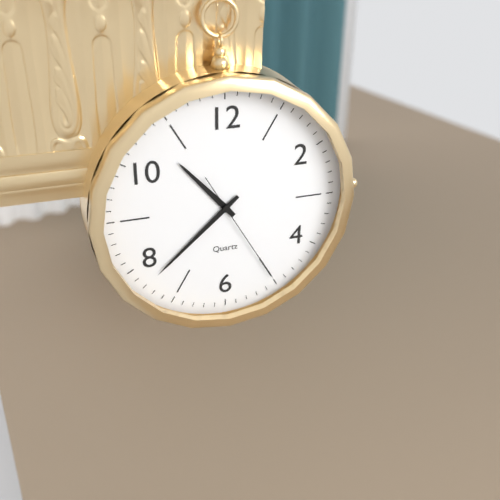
10:38:25
